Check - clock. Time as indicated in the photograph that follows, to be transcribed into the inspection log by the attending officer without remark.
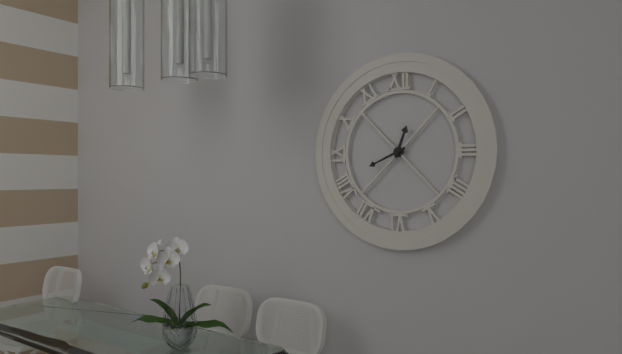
12:41
